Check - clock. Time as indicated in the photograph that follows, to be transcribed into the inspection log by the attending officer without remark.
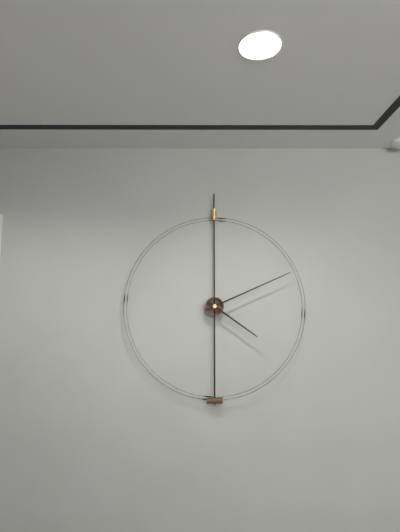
4:11
